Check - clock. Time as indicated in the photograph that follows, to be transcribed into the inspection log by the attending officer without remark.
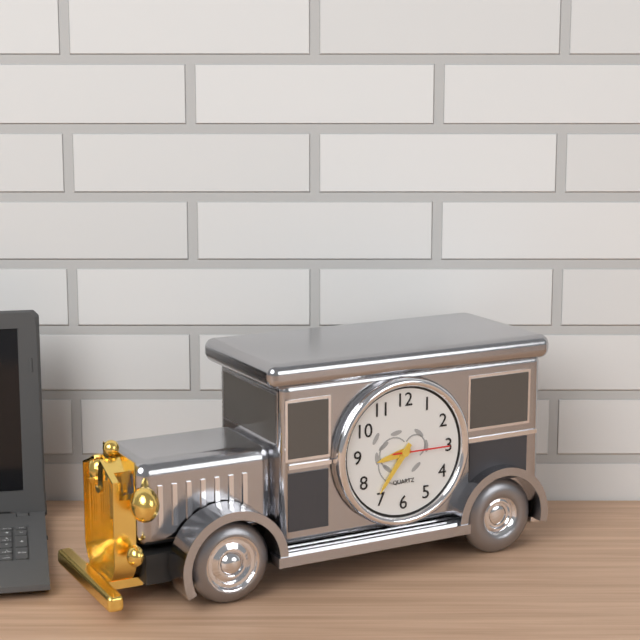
8:36:15
